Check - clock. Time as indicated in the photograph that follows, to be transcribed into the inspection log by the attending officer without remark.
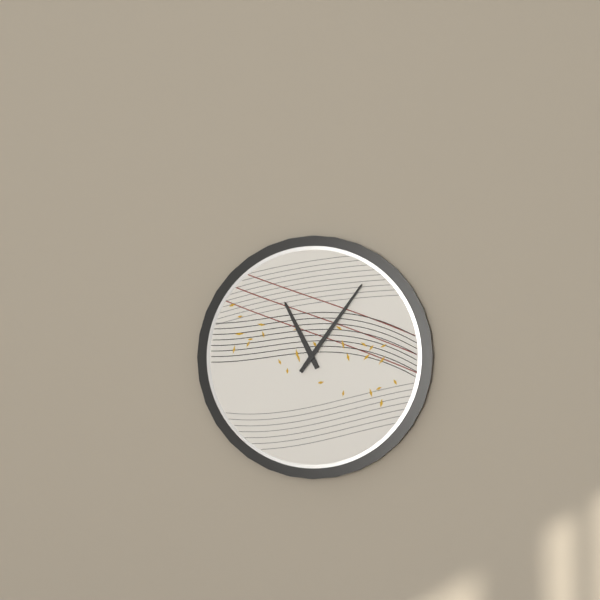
11:06
